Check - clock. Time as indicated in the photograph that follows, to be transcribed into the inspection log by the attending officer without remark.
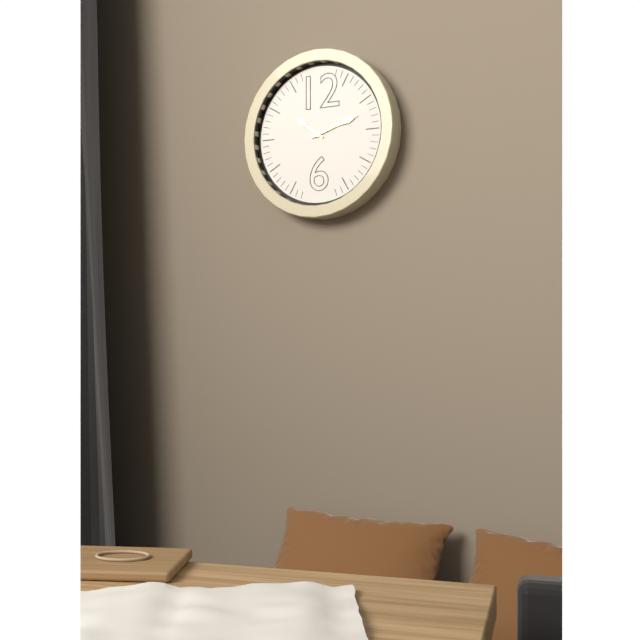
10:12
